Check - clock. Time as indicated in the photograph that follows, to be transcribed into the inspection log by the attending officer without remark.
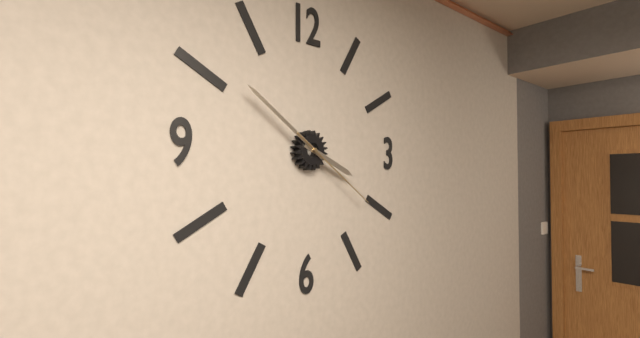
3:51:21
